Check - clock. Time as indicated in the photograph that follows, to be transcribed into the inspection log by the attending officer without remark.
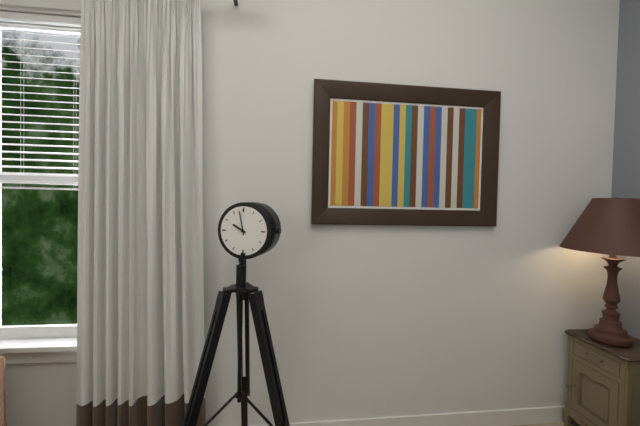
9:58
